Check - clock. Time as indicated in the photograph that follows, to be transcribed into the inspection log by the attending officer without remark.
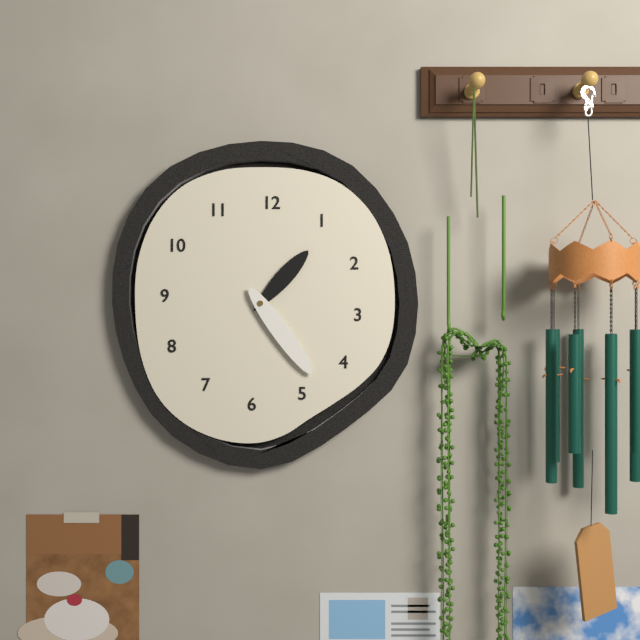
1:24
